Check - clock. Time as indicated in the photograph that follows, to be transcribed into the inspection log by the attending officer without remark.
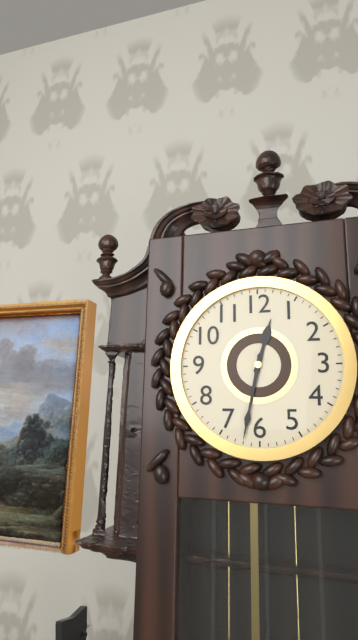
12:32
